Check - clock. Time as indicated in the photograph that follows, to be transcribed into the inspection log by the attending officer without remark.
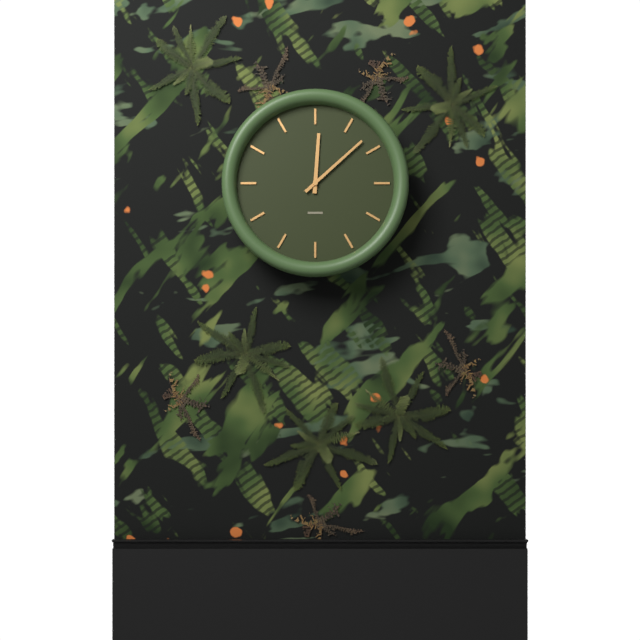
12:08
